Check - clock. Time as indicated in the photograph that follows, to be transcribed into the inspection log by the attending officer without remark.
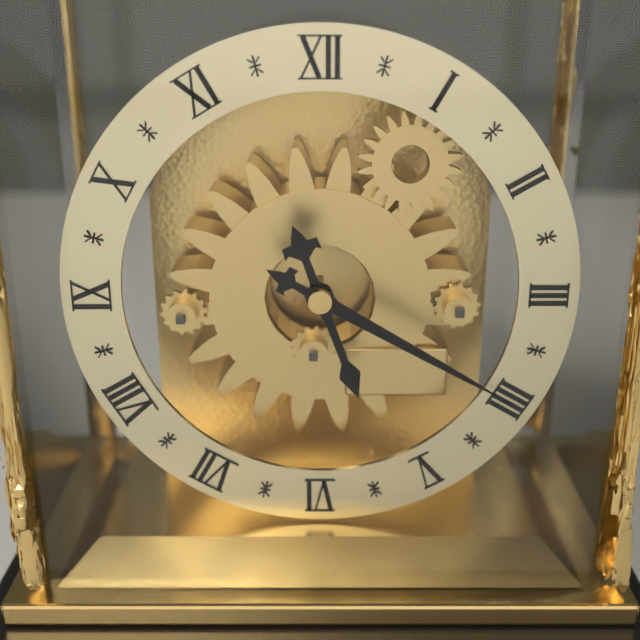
5:20
